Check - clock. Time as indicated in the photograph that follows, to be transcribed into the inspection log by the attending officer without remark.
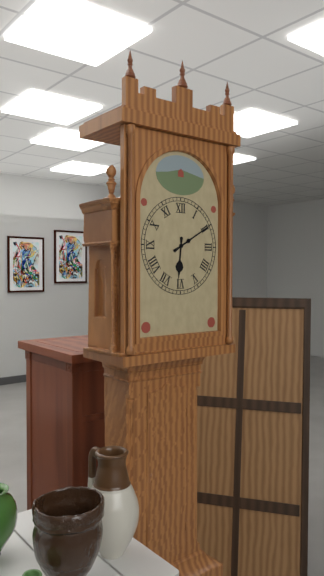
6:10
